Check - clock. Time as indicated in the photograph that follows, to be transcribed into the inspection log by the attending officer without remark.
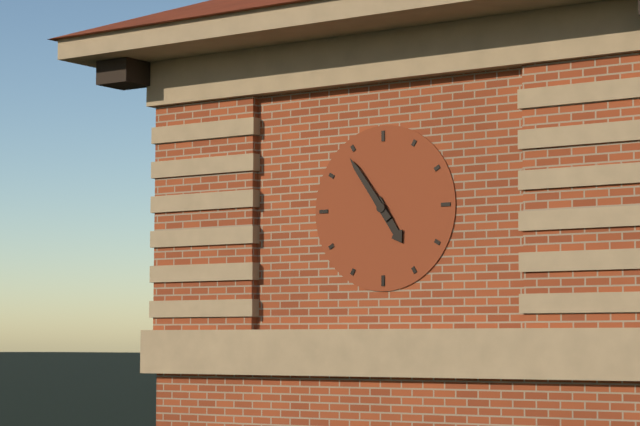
4:54
